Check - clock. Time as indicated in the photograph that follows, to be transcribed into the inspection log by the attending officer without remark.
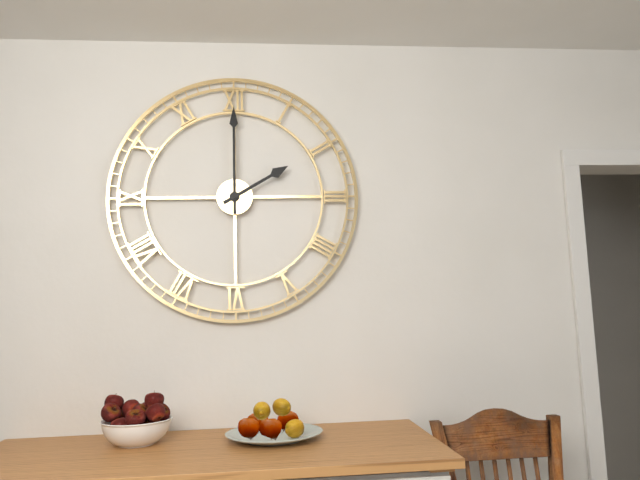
2:00
